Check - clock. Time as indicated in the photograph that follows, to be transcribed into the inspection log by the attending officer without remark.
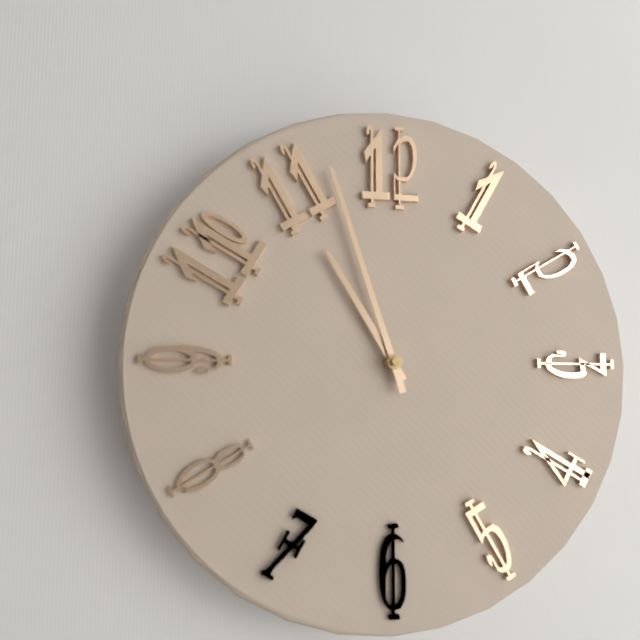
10:57
